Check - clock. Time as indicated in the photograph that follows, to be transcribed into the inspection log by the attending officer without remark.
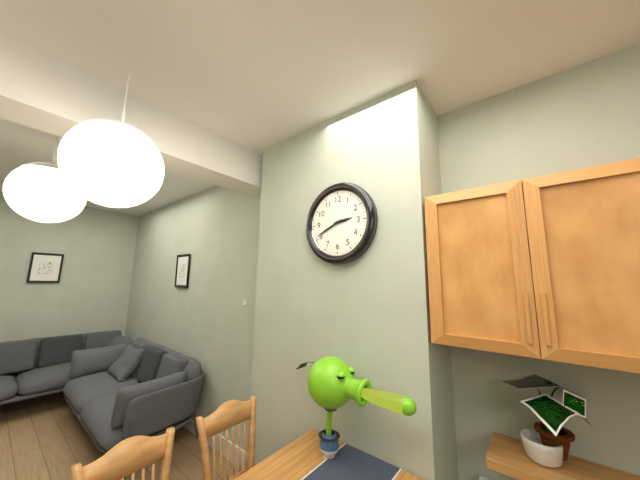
2:41
